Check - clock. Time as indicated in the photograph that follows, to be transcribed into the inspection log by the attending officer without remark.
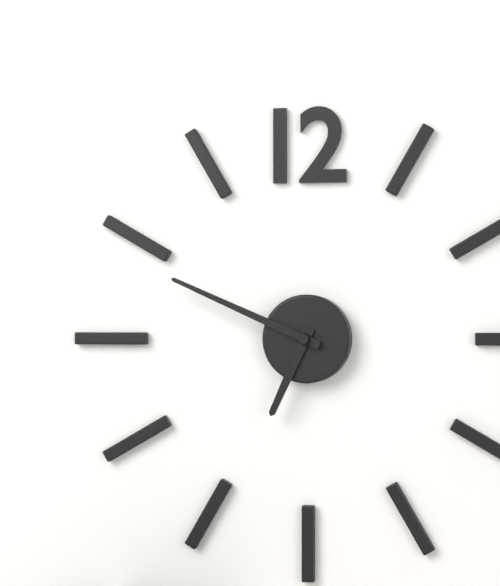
6:49
